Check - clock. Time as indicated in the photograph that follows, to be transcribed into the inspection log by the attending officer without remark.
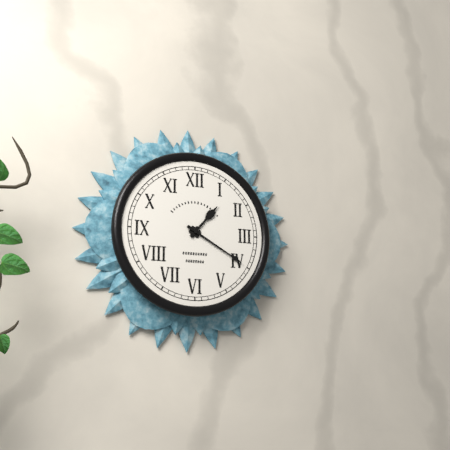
1:20
